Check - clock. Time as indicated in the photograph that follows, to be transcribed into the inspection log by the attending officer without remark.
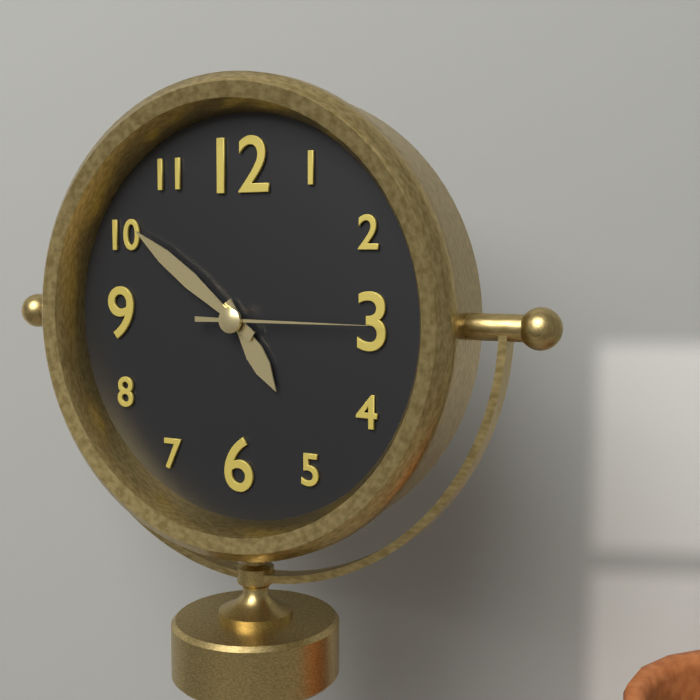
4:51:15
